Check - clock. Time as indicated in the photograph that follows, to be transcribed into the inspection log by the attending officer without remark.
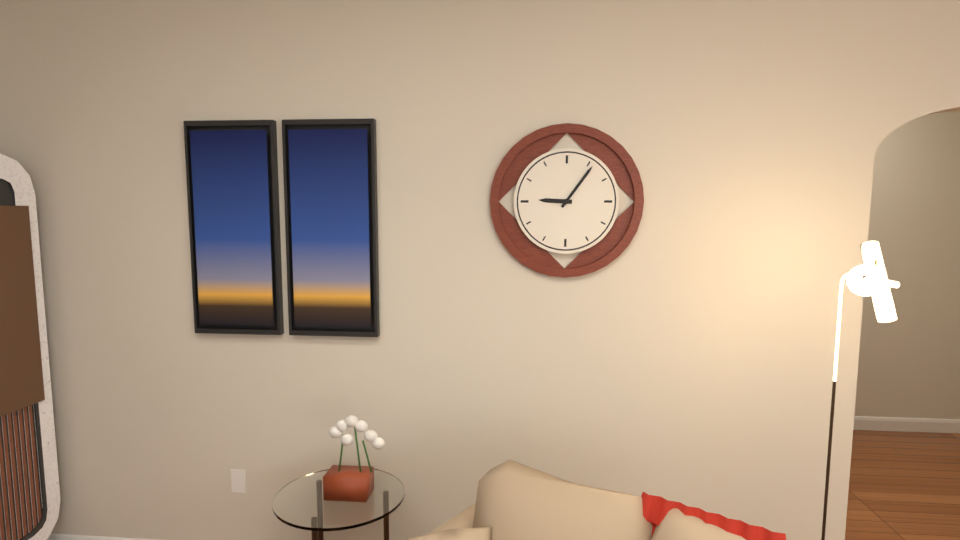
9:06
